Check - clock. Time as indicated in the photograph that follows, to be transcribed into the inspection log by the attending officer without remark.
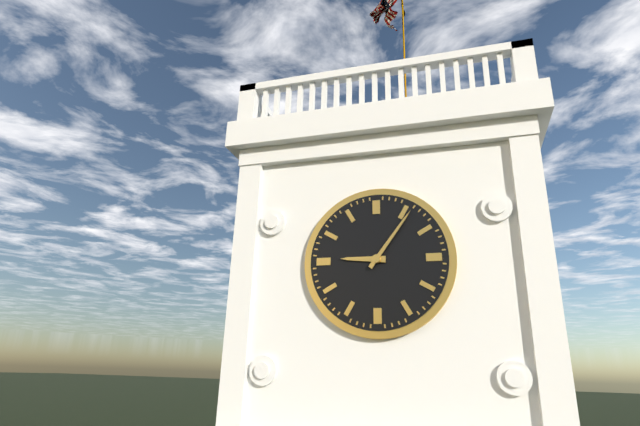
9:06
